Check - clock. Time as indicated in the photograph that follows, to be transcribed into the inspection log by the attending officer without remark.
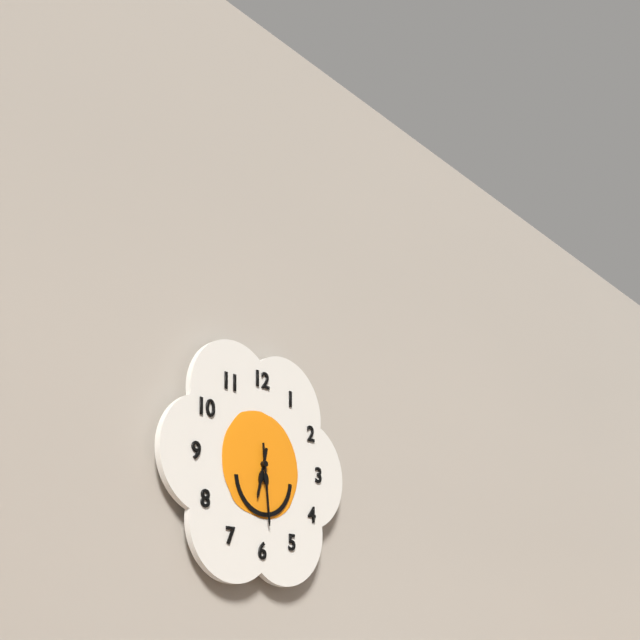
6:29
